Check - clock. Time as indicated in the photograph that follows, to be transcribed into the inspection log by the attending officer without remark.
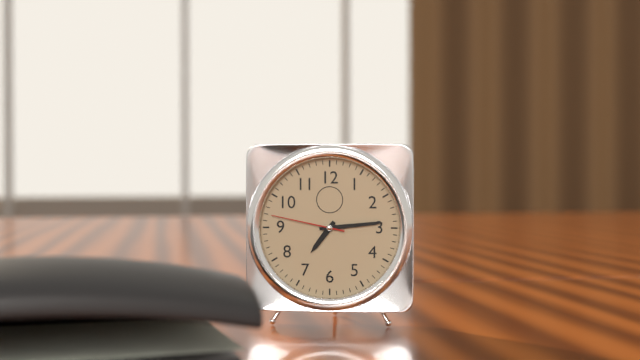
7:14:47
